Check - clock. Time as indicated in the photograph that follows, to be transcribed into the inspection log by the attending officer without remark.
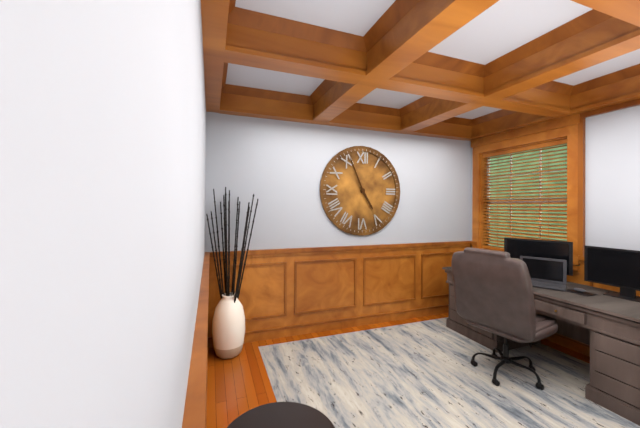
4:56
